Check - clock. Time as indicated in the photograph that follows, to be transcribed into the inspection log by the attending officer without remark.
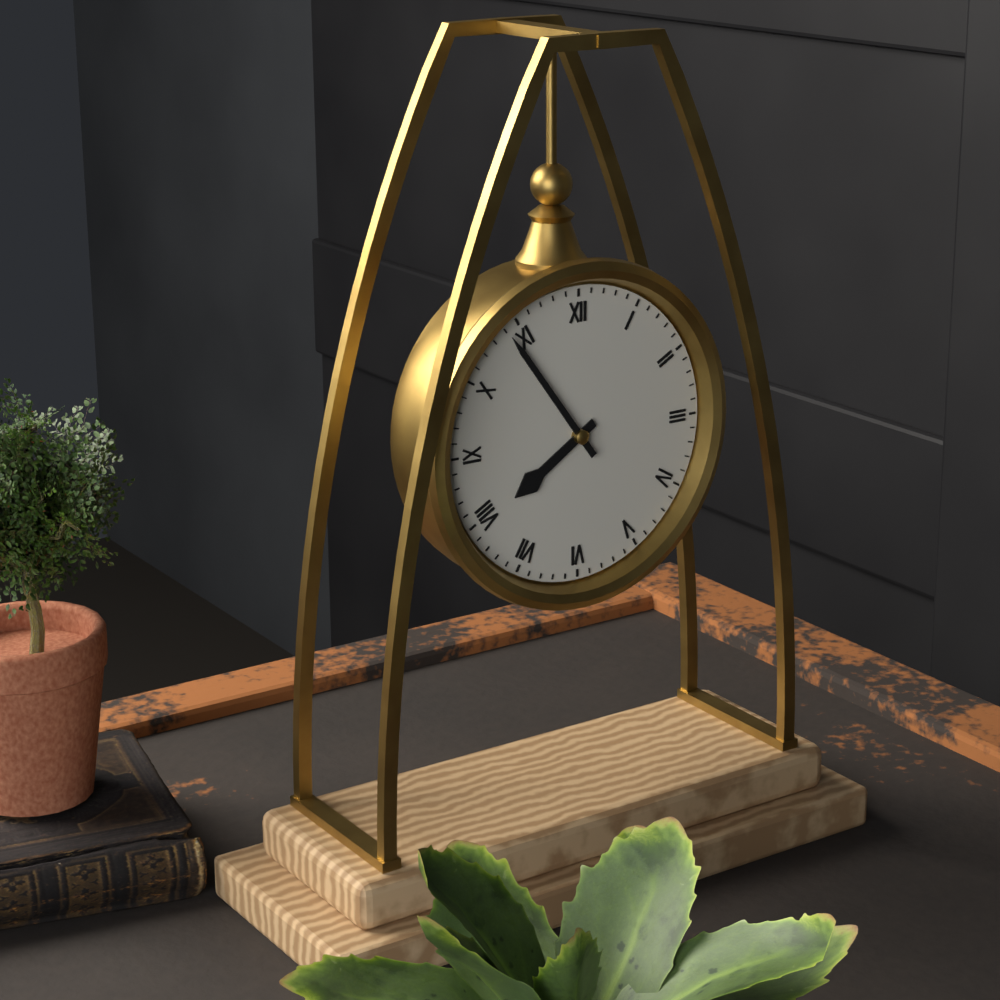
7:54
